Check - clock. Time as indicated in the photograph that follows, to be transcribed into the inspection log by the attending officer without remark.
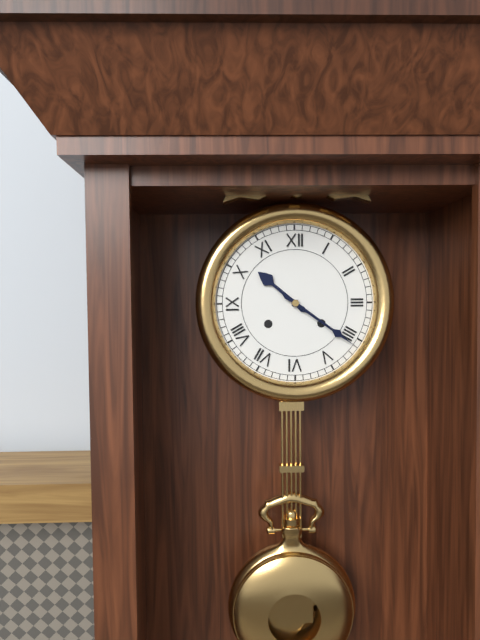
10:21
